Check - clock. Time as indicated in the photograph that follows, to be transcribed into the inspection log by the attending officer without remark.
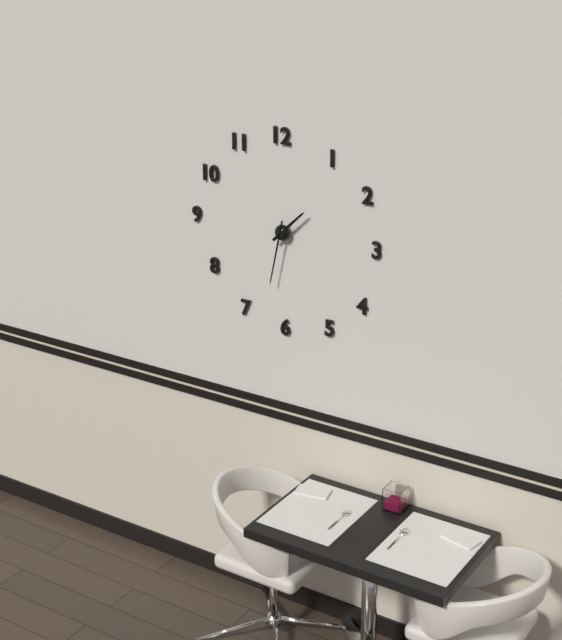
1:32
